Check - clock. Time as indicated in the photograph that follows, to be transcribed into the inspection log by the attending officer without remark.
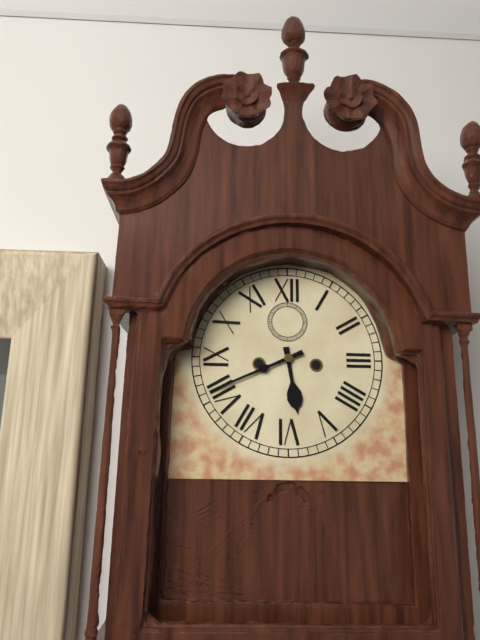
5:41
